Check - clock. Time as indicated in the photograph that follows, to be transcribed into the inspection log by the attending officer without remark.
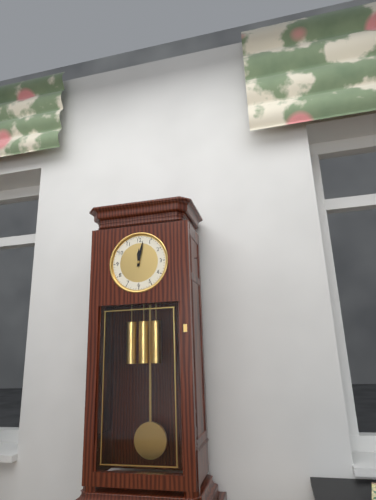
12:02
